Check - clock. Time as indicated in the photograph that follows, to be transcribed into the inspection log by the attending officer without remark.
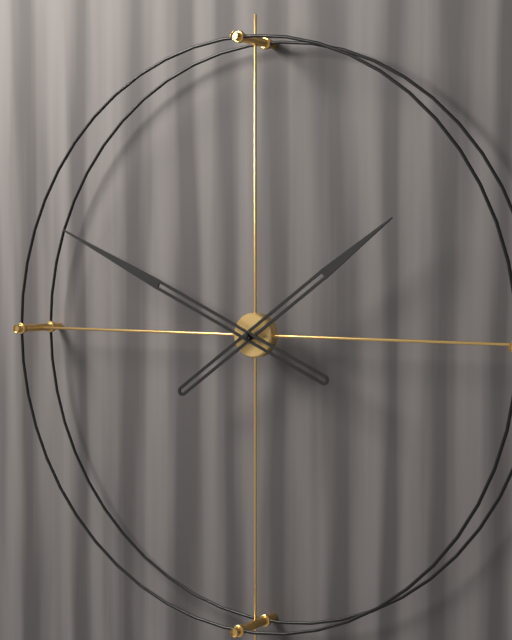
1:49
